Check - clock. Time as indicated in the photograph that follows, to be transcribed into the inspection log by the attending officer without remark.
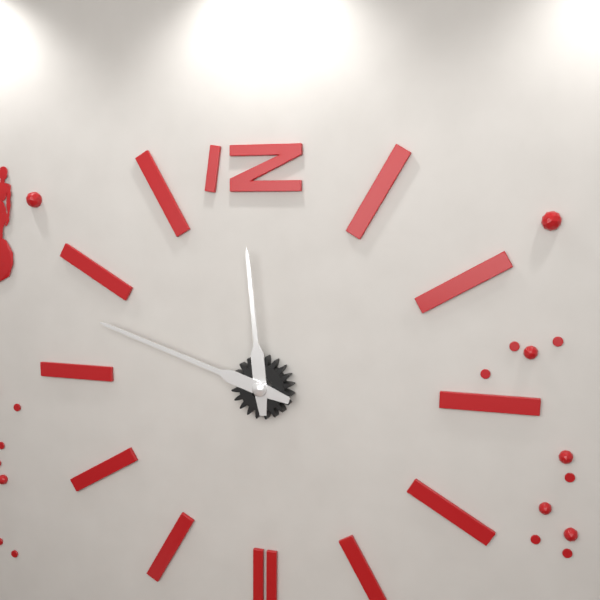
11:48
